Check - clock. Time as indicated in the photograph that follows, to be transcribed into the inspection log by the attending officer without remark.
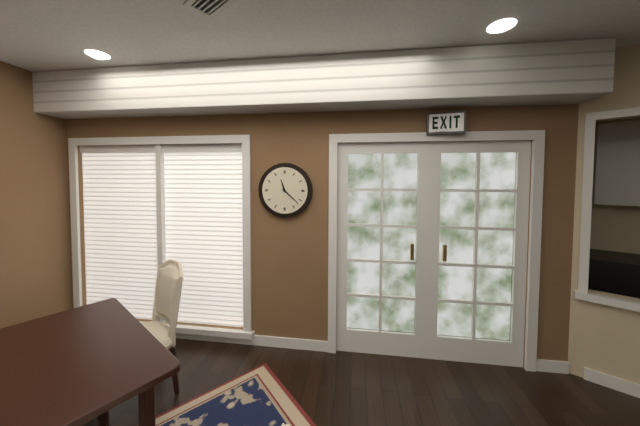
11:22
